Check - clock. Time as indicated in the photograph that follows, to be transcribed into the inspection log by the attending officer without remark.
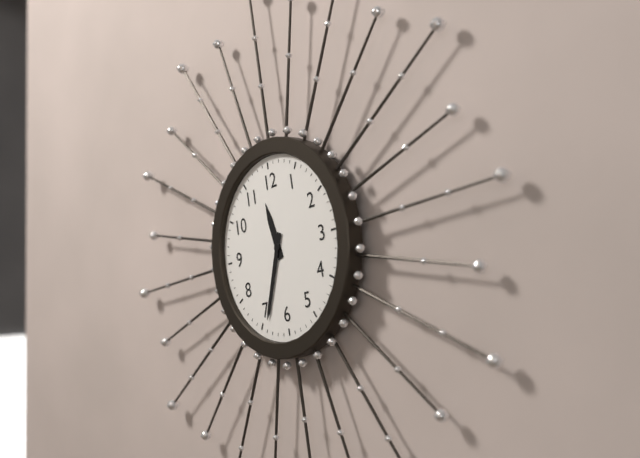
11:34
